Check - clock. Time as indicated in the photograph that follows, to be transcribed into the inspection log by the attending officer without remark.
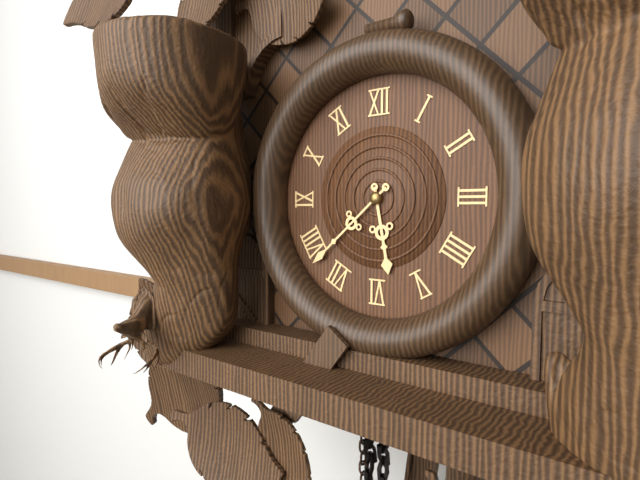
5:38
